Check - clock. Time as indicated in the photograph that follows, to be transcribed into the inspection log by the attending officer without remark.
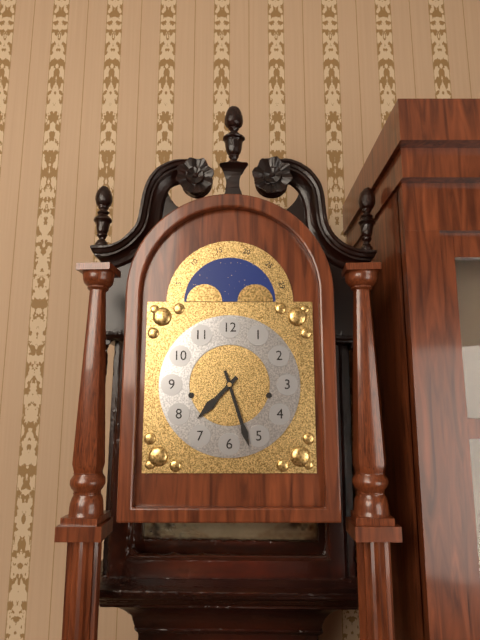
7:27
